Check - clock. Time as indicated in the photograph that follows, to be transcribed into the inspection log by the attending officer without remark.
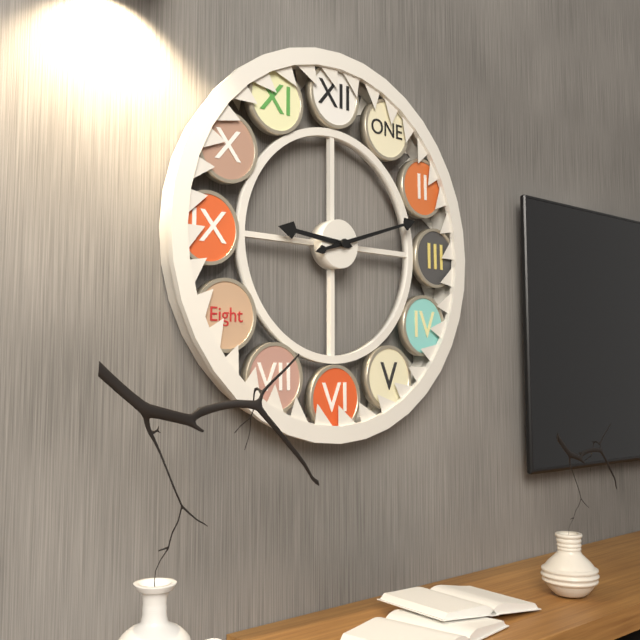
9:12
